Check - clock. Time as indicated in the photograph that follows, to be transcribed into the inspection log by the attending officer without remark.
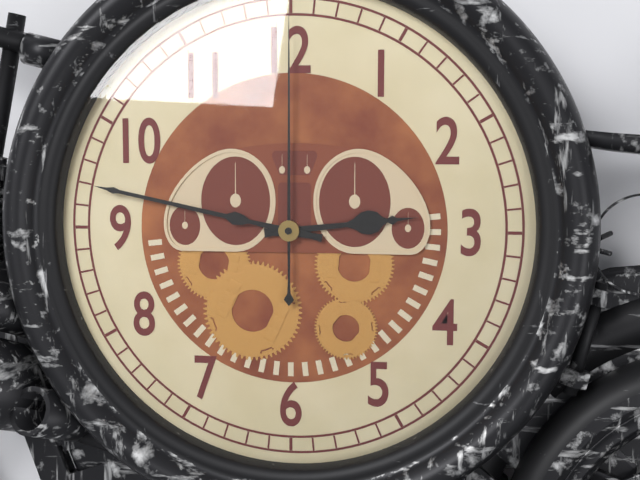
2:47:00
